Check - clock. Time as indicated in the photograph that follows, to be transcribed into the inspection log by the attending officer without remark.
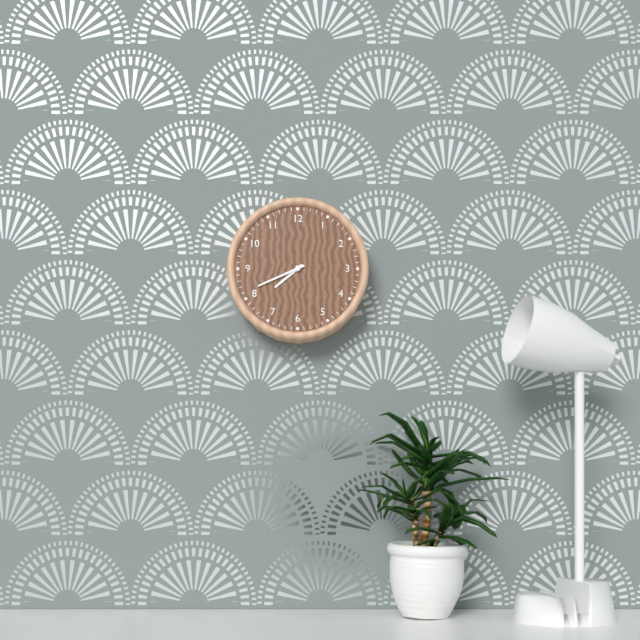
7:41
